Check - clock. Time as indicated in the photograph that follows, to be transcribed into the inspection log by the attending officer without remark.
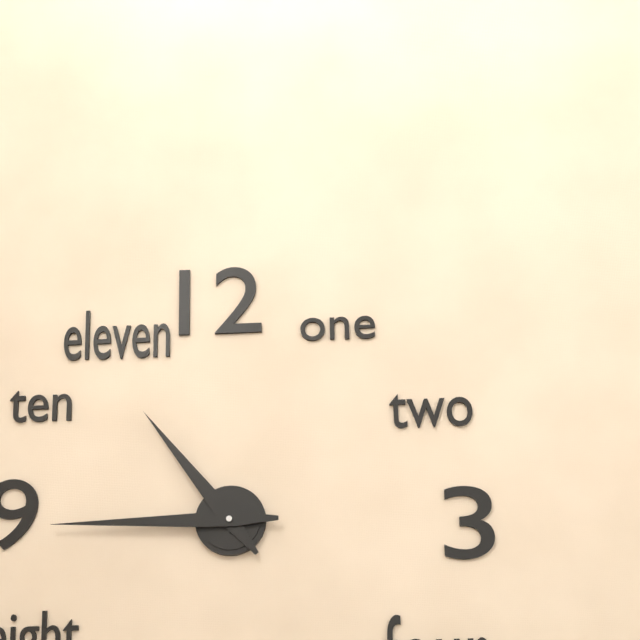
10:45
